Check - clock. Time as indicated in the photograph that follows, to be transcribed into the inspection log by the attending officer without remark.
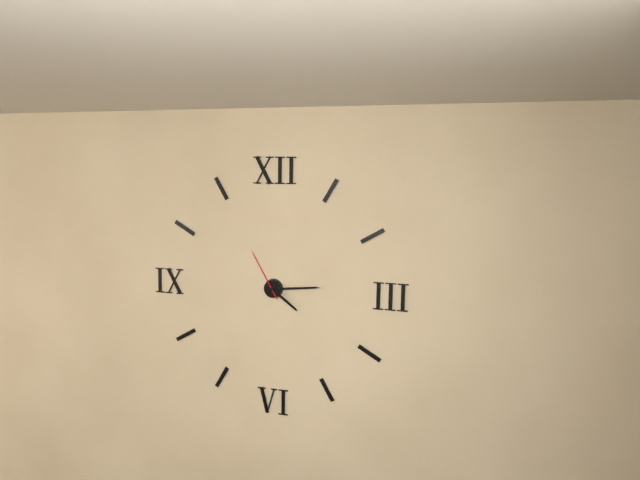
4:14:55
